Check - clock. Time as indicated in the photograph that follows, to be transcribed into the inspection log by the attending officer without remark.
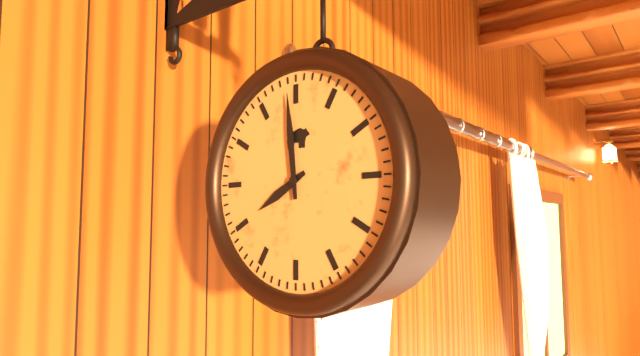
7:59
